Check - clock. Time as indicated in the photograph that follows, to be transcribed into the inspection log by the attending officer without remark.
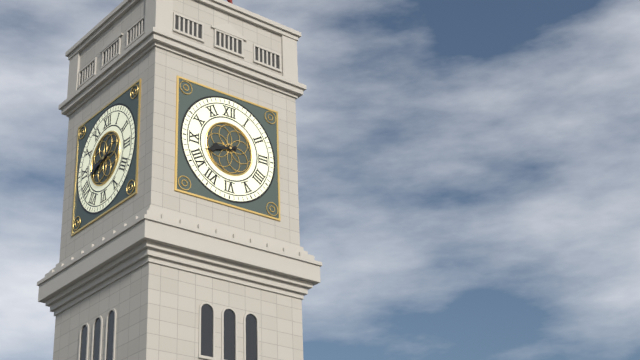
8:42
